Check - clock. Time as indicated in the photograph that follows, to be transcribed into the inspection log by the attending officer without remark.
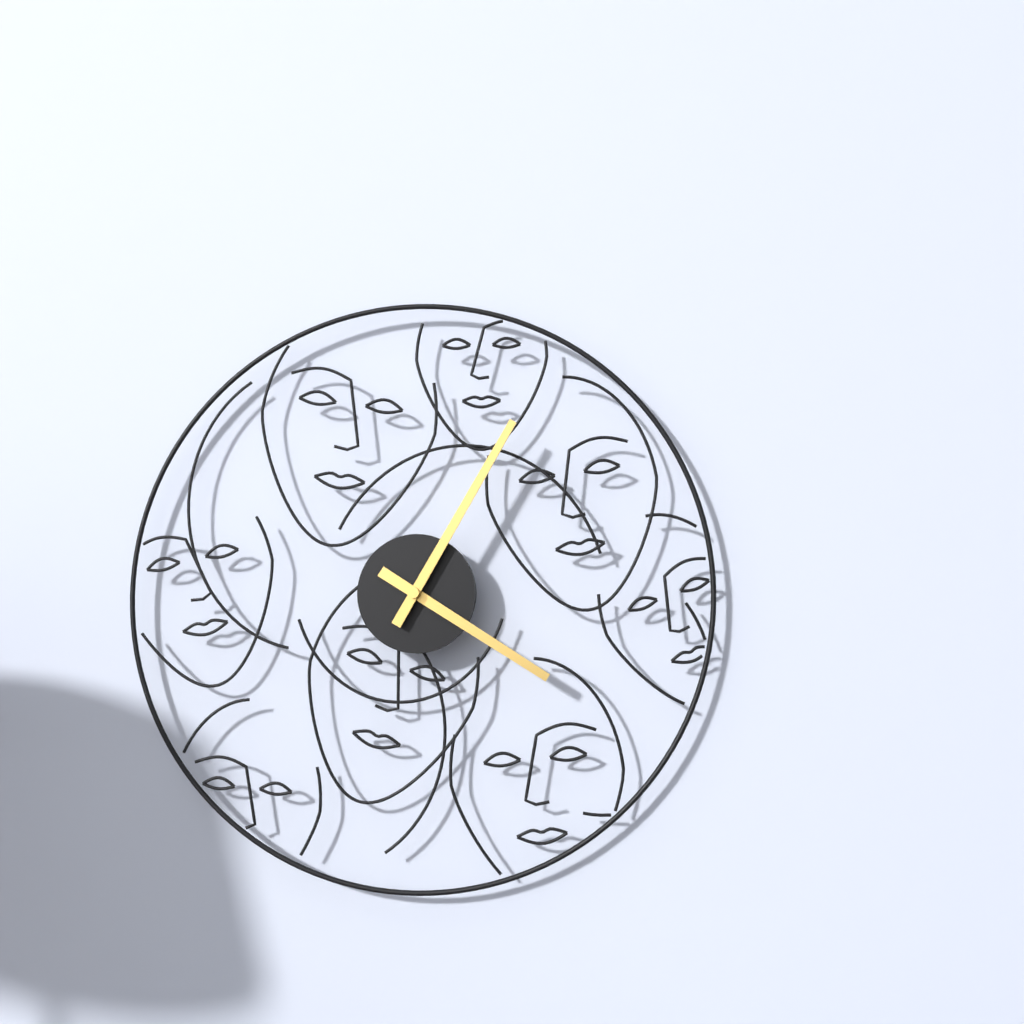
4:05
